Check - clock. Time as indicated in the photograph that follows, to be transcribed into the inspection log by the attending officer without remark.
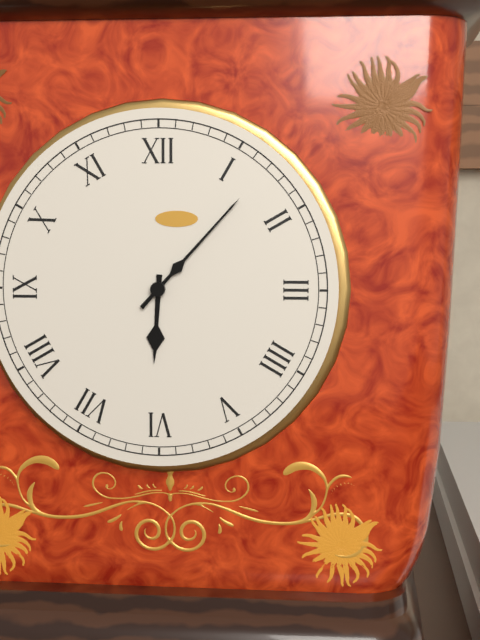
6:07
